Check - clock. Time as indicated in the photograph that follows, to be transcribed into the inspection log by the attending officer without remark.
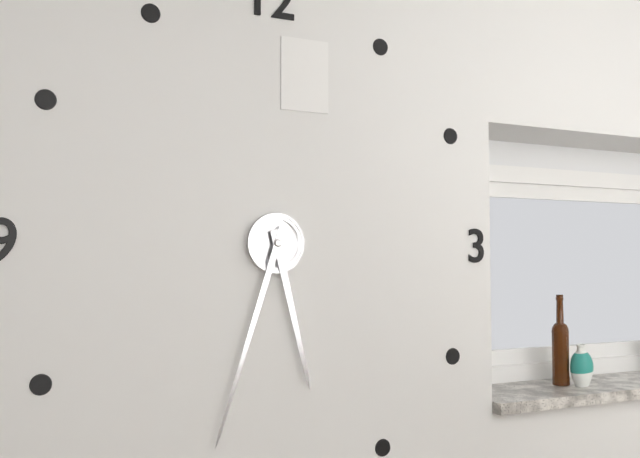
5:33
